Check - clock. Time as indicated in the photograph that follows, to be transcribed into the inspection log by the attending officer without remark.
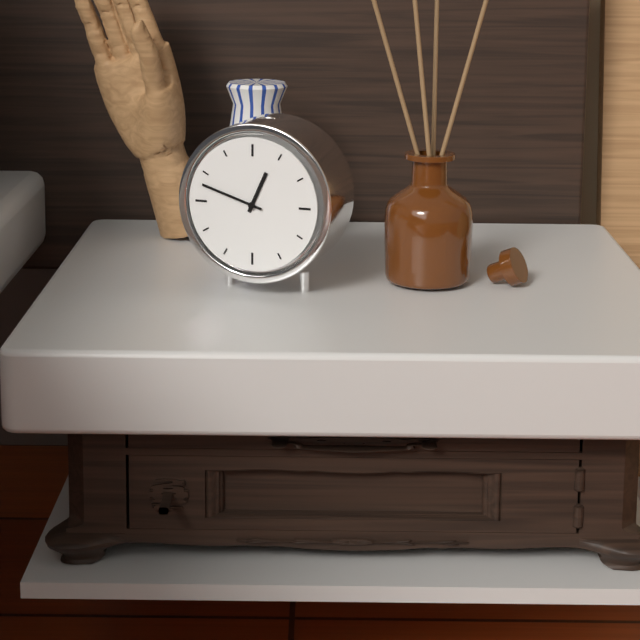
12:48
